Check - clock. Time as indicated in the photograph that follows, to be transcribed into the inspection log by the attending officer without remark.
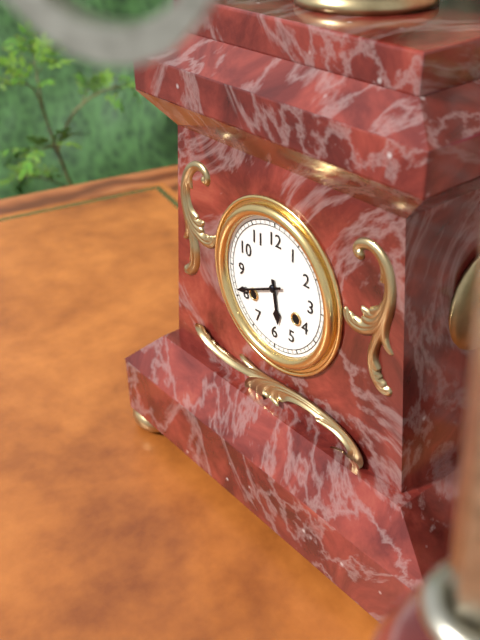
5:41
